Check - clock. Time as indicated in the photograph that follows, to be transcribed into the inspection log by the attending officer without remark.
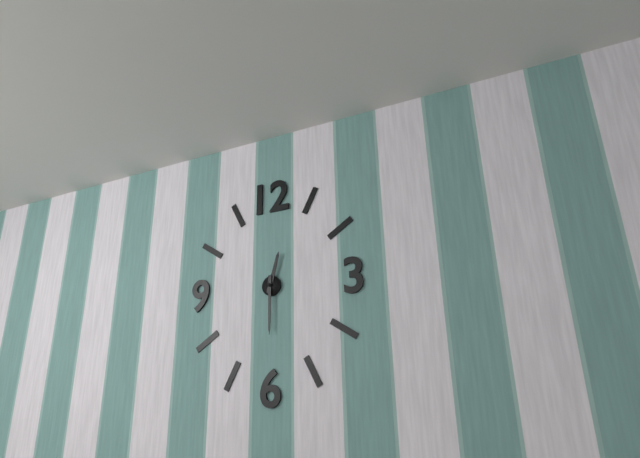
12:30
